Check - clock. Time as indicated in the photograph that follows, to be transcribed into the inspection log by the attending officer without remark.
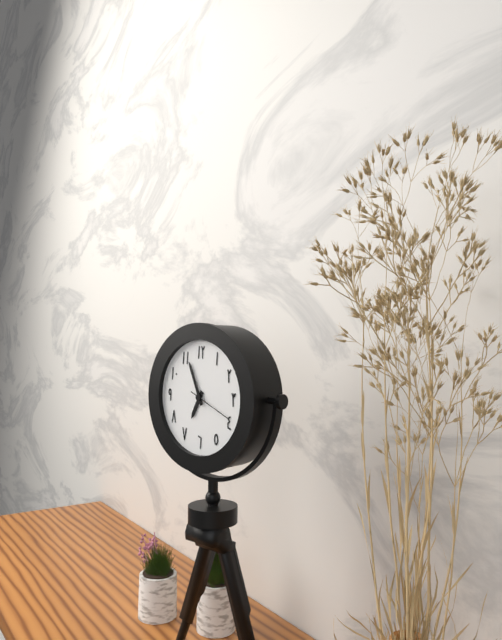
6:56
